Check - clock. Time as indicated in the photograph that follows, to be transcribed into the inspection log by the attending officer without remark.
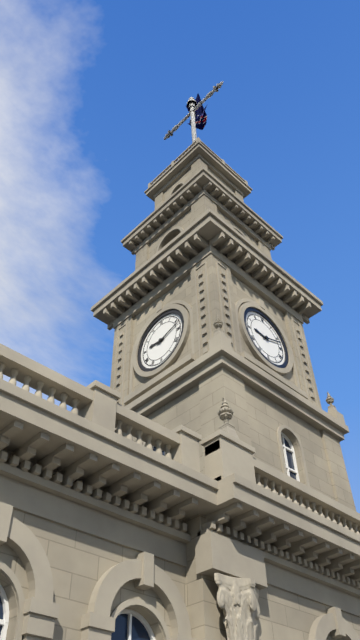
9:12
